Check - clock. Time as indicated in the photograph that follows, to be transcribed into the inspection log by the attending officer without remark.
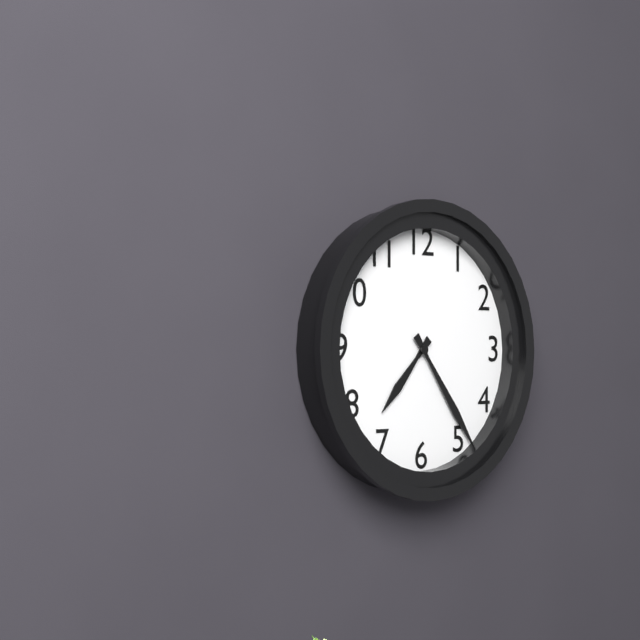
7:24
